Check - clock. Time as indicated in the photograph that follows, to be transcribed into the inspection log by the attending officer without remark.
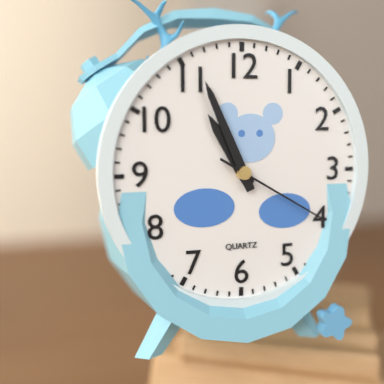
10:56:20
